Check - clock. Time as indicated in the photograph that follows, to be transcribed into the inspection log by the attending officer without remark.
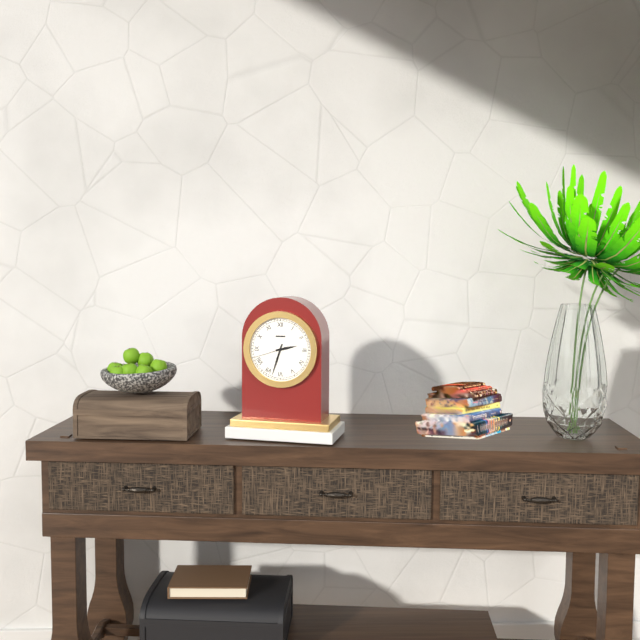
2:33
